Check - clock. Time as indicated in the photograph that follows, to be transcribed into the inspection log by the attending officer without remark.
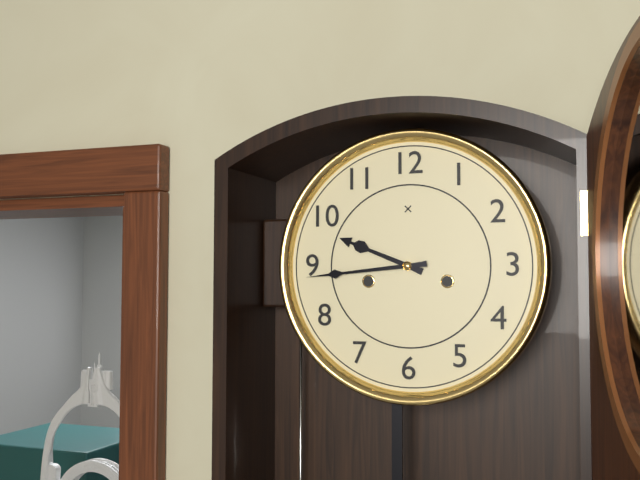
9:44
